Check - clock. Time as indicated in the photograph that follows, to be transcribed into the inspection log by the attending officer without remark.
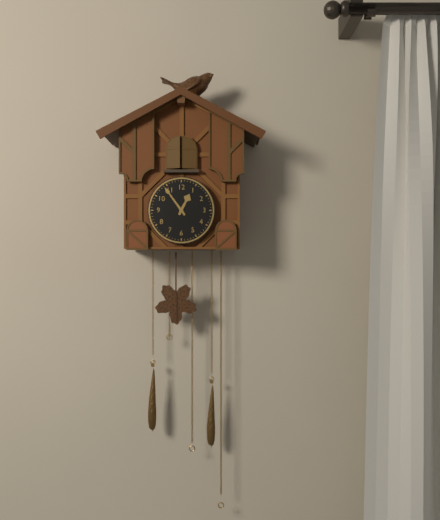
12:54
